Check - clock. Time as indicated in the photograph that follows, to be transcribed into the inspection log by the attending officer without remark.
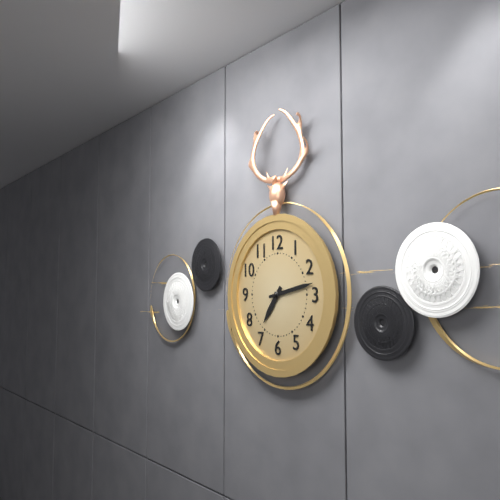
7:13
